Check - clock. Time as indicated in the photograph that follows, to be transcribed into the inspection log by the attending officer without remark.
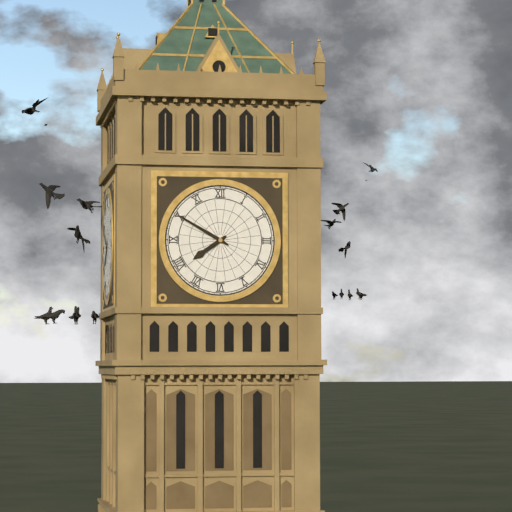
7:50
